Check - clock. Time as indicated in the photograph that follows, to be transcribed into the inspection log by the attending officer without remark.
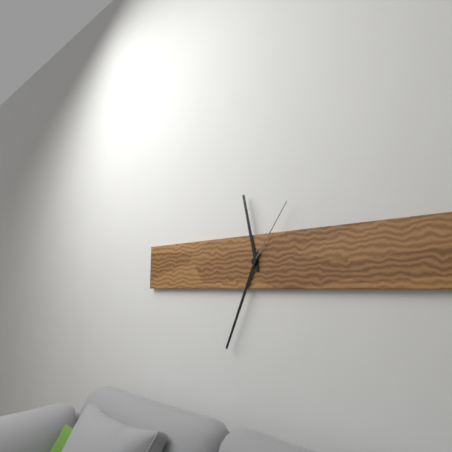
11:34:06
